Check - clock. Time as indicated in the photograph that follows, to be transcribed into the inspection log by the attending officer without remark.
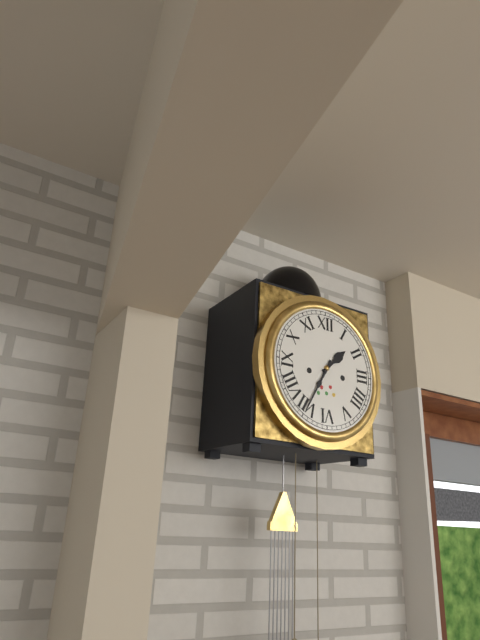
1:35
